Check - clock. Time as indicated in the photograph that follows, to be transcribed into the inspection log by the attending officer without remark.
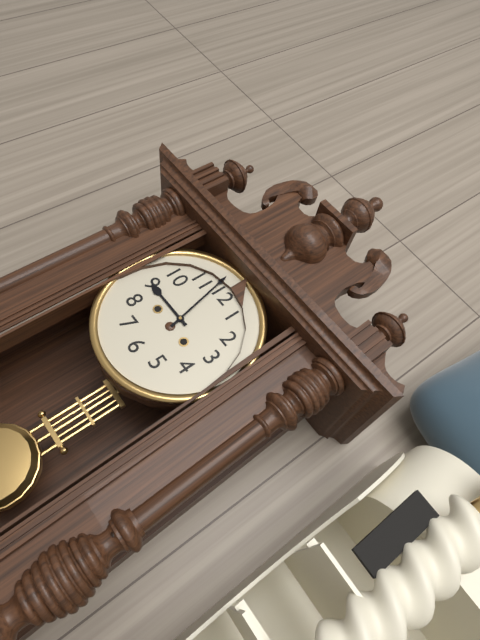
8:58
